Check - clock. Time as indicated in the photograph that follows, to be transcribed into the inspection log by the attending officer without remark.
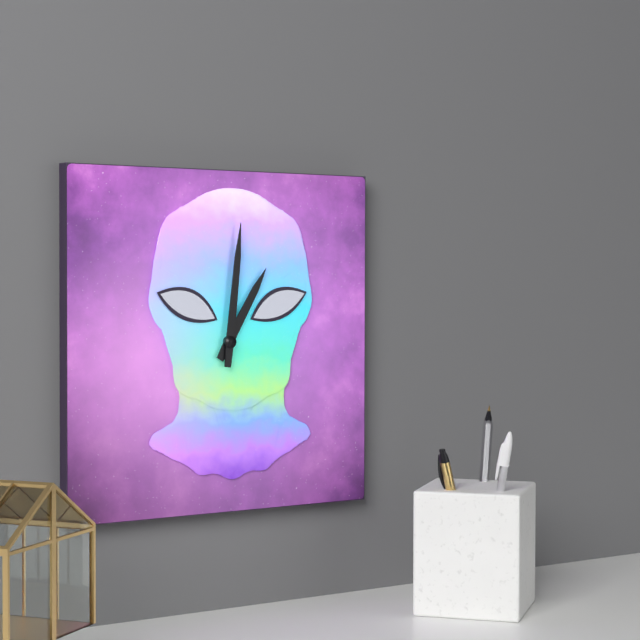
1:01
